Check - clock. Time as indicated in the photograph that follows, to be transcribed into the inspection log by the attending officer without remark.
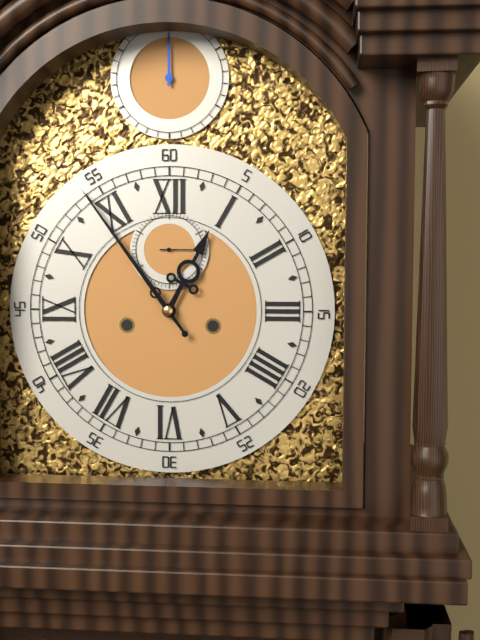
12:54
